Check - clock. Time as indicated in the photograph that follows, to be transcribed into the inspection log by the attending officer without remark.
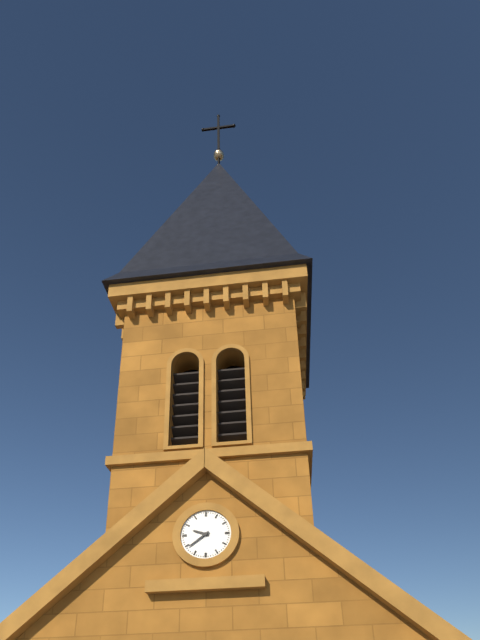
9:39
